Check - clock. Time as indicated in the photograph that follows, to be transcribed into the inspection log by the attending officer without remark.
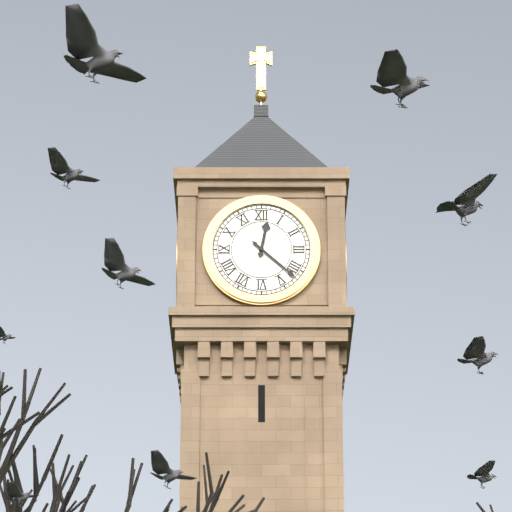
12:22
